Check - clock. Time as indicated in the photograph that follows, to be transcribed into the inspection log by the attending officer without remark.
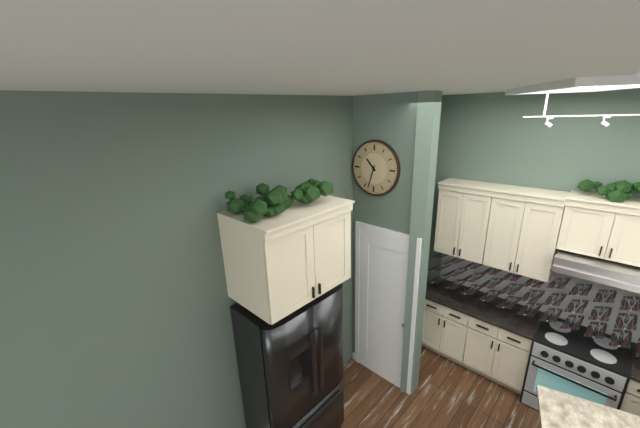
10:33
